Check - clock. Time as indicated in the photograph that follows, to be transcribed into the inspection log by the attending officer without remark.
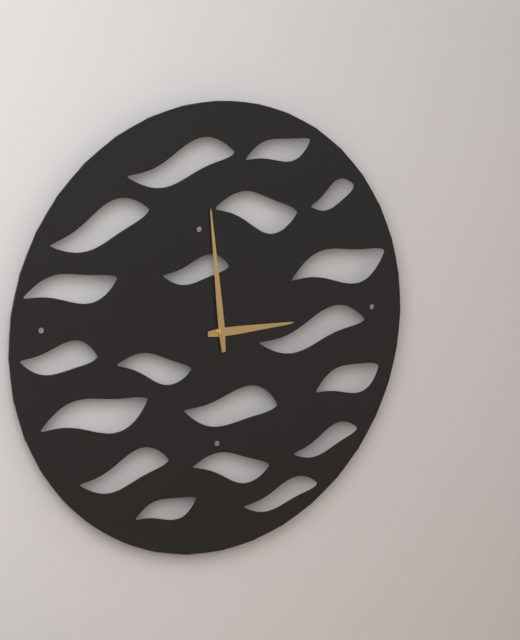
2:59
